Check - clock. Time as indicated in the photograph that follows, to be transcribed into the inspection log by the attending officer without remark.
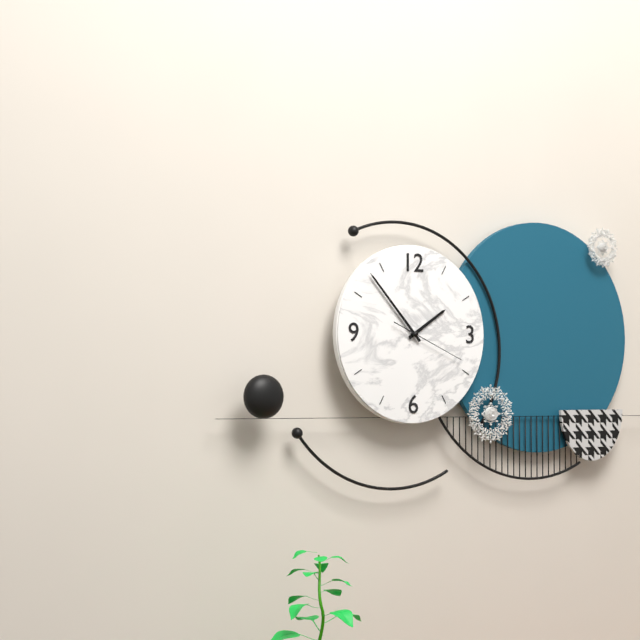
1:53:19
